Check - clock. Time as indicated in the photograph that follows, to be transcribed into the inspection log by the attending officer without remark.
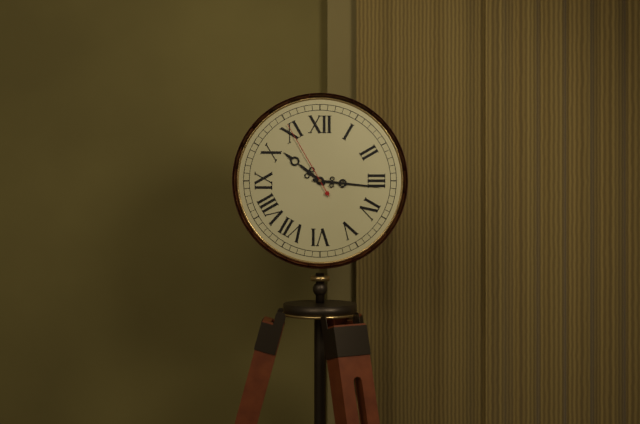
10:16:55
